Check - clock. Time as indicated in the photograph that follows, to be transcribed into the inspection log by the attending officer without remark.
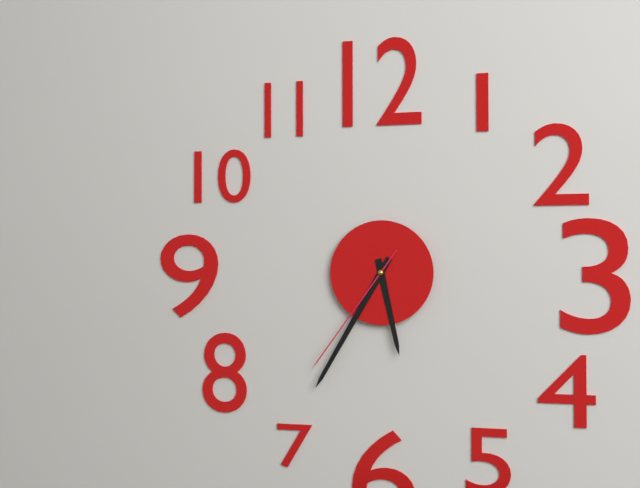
5:35:36
